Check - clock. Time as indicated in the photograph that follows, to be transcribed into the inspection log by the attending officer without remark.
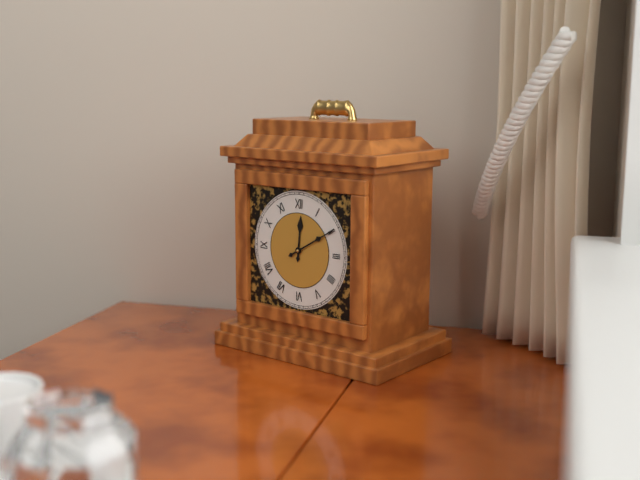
12:10
